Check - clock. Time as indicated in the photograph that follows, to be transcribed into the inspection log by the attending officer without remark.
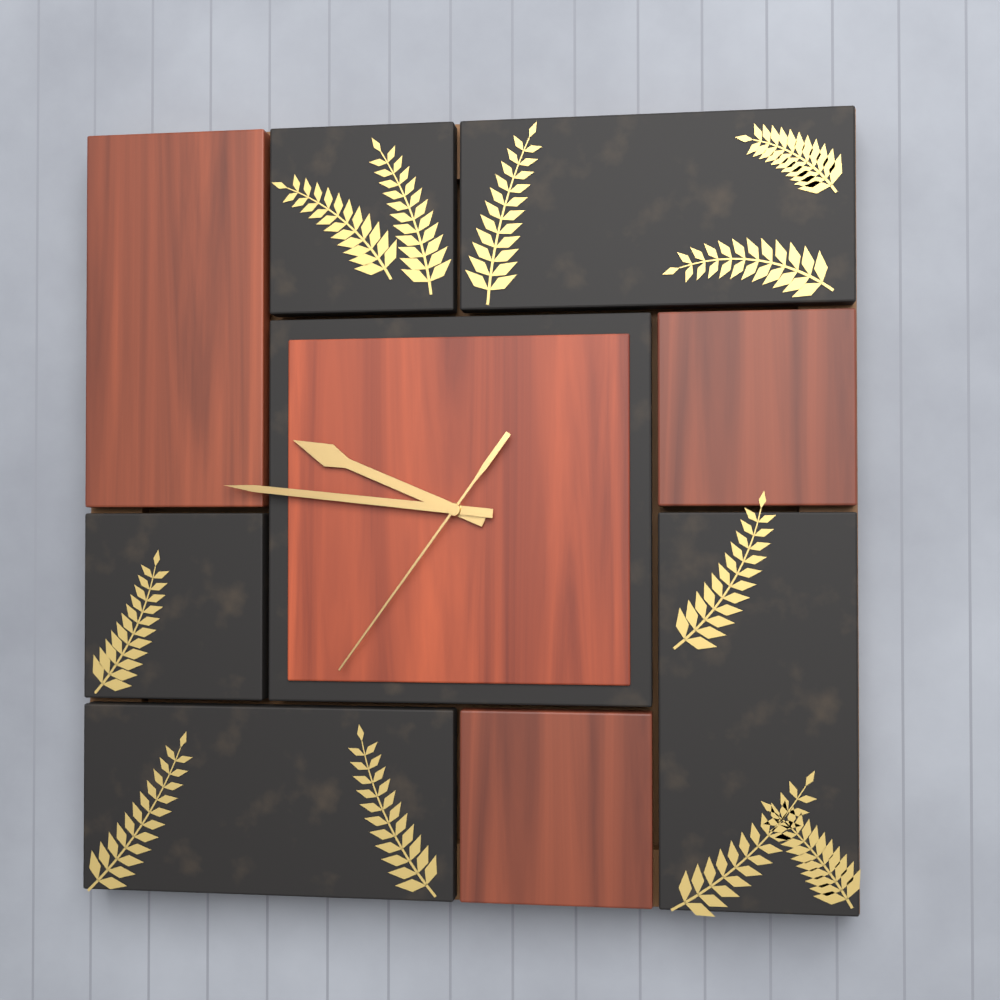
9:46:36
